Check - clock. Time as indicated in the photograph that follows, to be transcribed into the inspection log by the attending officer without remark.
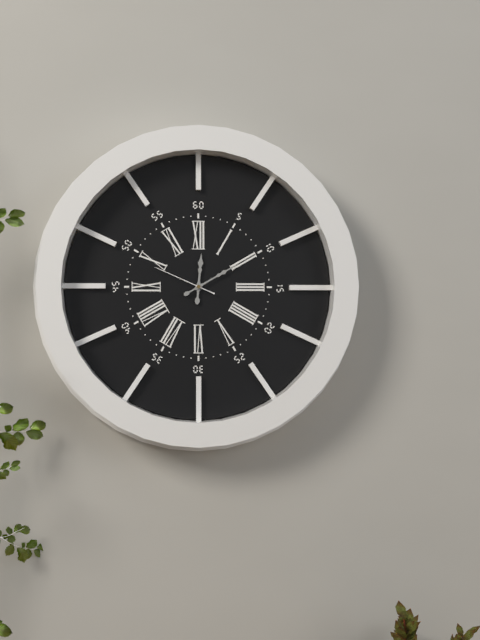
12:10:49
